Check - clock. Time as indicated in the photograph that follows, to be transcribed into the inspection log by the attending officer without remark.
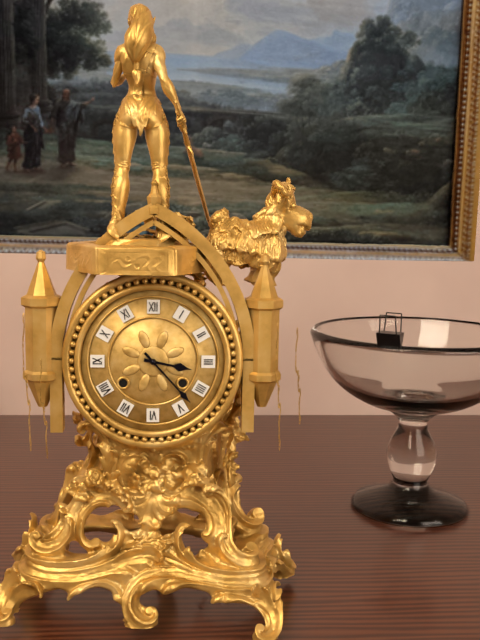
3:23
